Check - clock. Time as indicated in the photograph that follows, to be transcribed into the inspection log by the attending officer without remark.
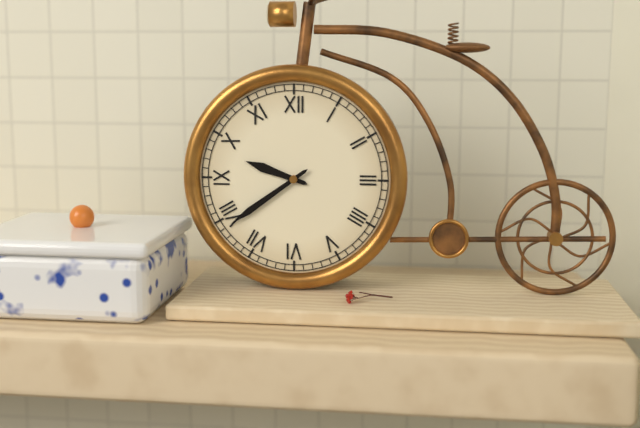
9:39
